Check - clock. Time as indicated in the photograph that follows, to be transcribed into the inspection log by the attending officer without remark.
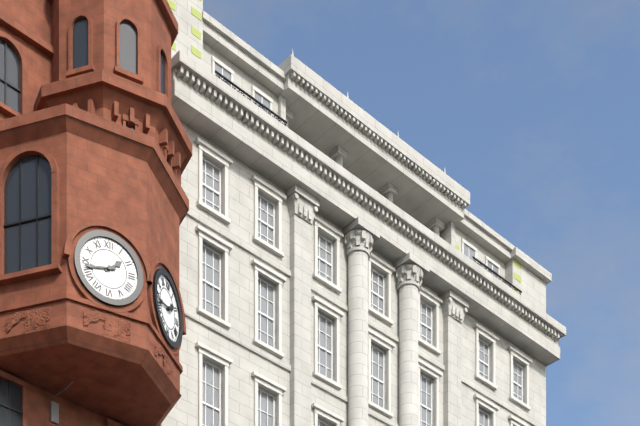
1:43
